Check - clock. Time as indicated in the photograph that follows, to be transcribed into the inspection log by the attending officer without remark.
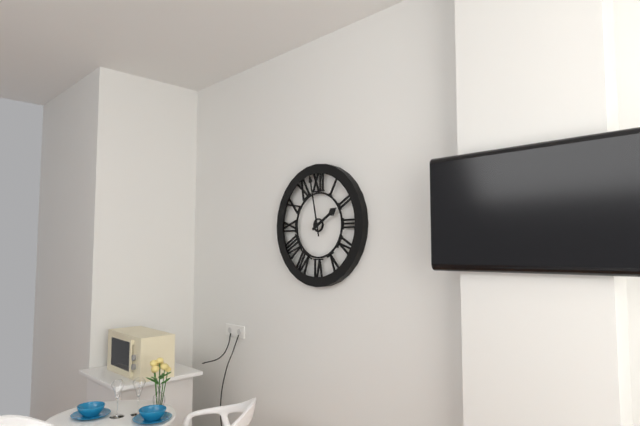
1:58
